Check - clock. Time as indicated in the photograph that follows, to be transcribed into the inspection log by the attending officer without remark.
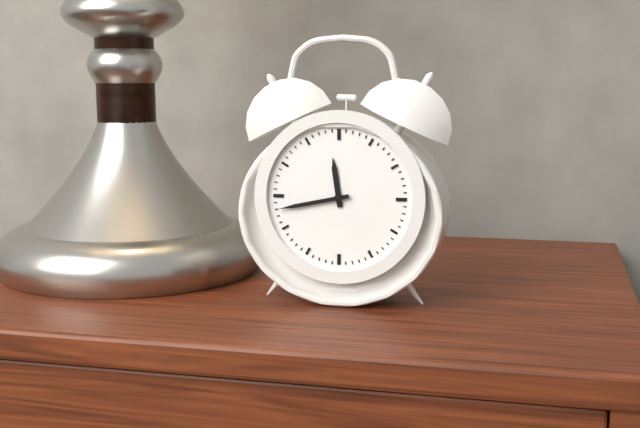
11:43
